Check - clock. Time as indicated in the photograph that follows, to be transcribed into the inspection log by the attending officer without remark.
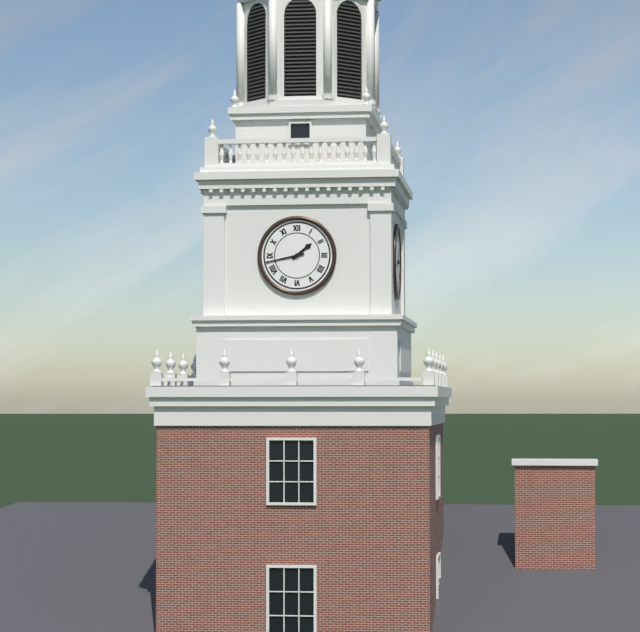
1:43
